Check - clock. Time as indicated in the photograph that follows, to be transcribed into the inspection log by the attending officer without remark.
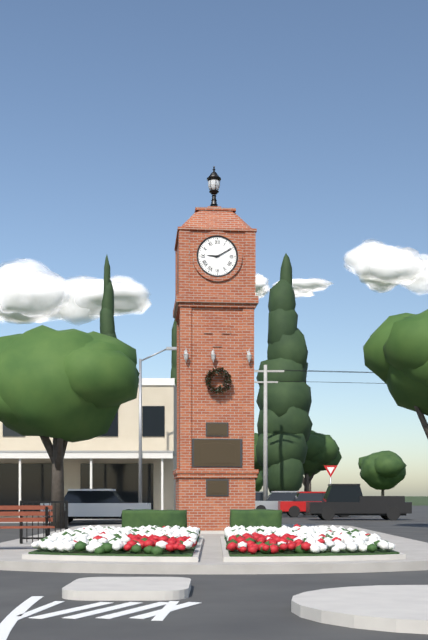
9:10
